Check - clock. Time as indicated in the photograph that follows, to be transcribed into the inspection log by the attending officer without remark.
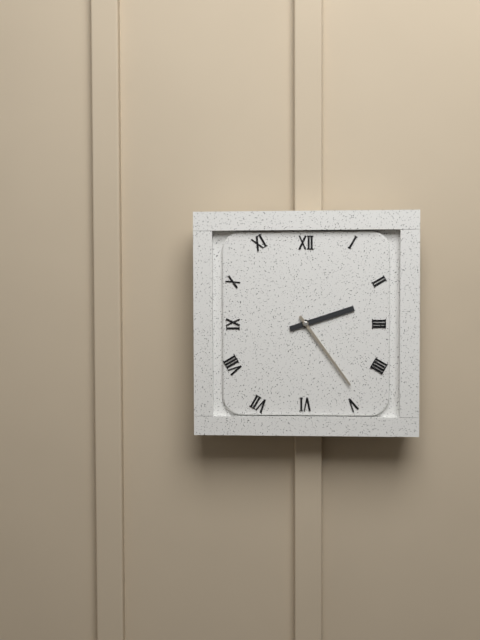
2:24
